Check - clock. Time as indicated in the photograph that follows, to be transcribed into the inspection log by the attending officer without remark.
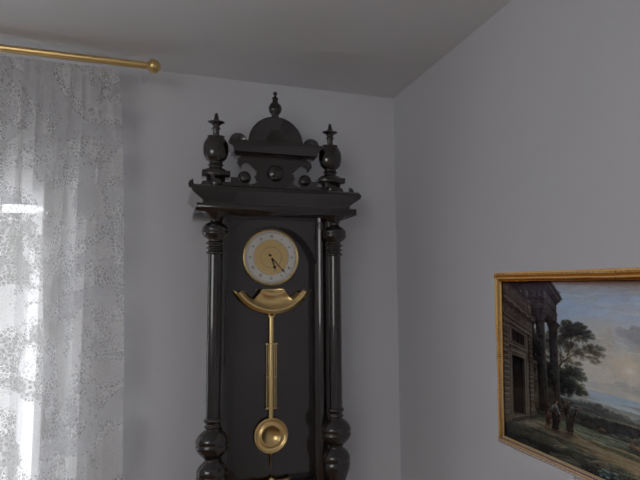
5:23
